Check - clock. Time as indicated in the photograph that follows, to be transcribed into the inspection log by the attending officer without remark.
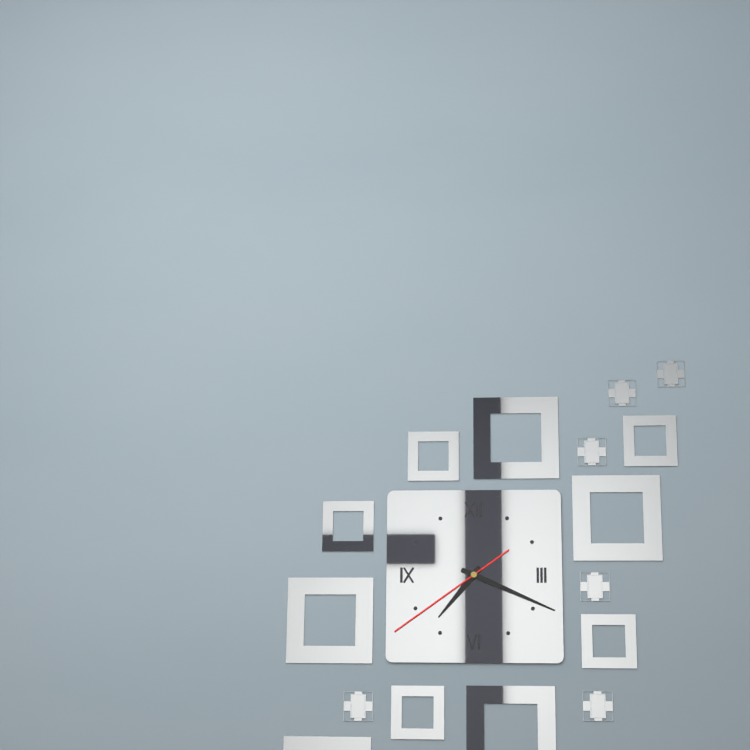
7:19:39
